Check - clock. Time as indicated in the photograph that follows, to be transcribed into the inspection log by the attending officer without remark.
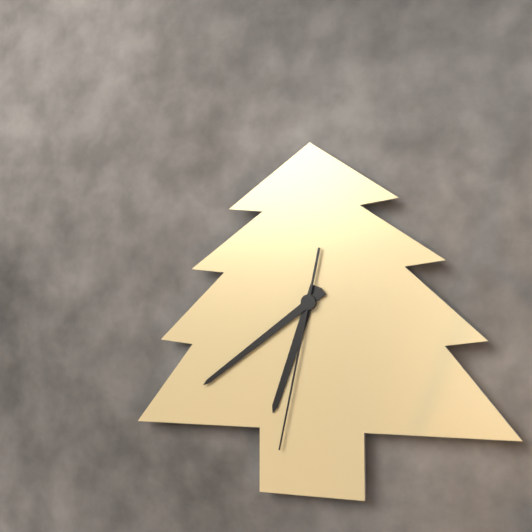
6:39:32
